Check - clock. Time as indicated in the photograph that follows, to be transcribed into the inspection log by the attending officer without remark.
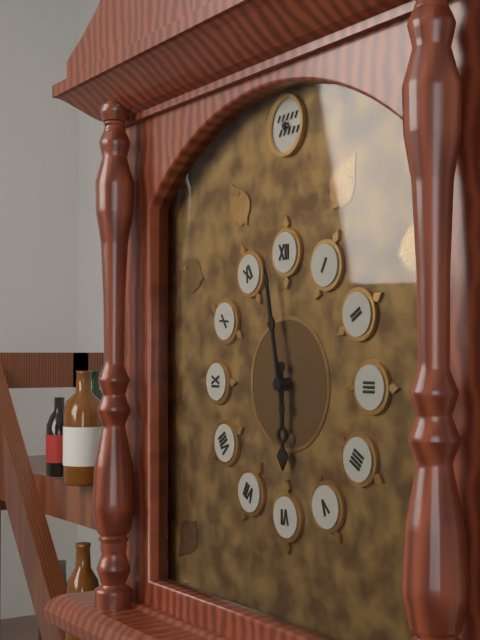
5:58
